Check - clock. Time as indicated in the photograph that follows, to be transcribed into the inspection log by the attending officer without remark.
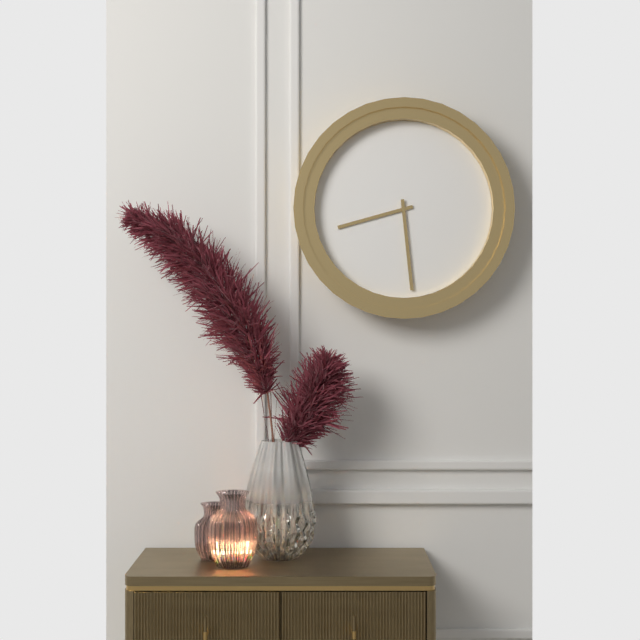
8:29
